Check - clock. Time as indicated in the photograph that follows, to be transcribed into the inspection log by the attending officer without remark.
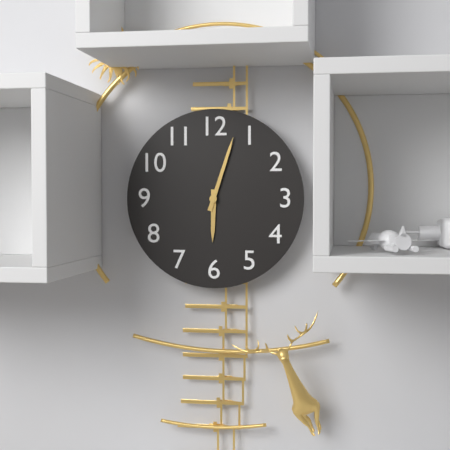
6:03
